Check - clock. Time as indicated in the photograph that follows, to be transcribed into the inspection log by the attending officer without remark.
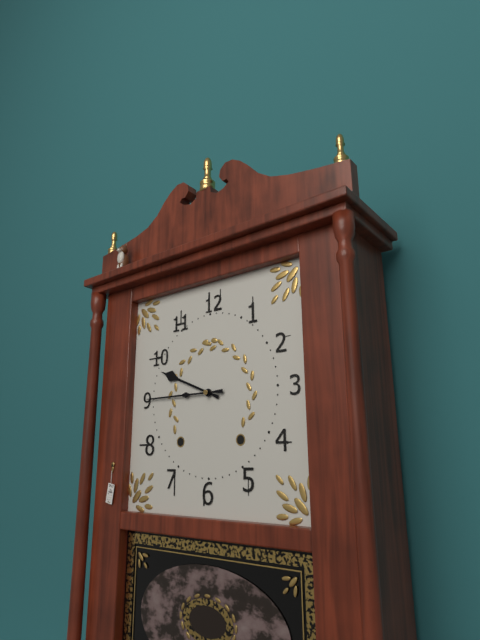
9:45
